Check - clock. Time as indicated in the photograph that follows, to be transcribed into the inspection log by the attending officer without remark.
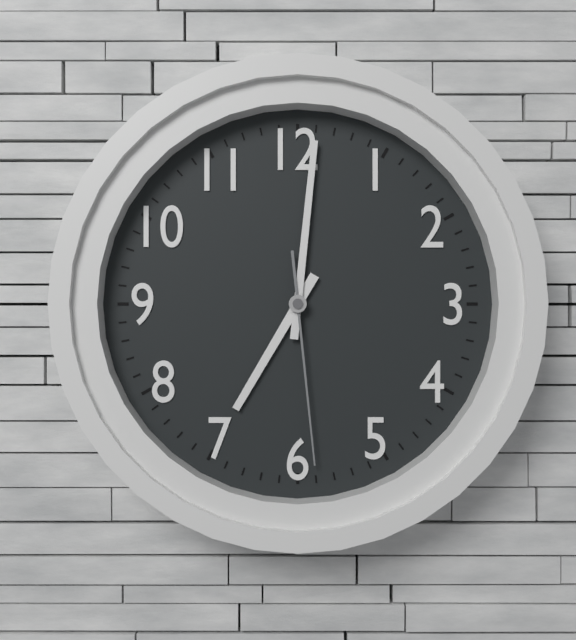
7:01:29
